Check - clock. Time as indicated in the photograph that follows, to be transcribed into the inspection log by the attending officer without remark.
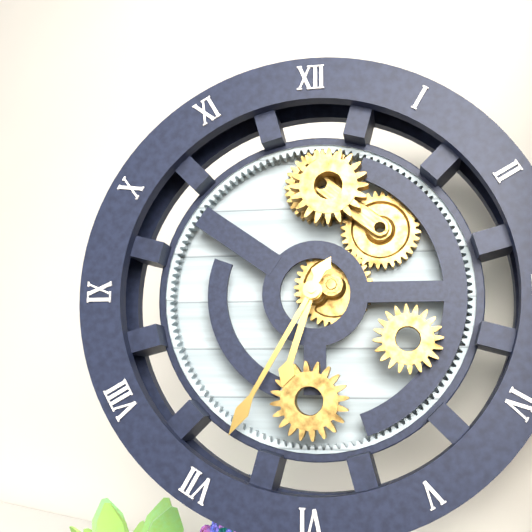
6:35
